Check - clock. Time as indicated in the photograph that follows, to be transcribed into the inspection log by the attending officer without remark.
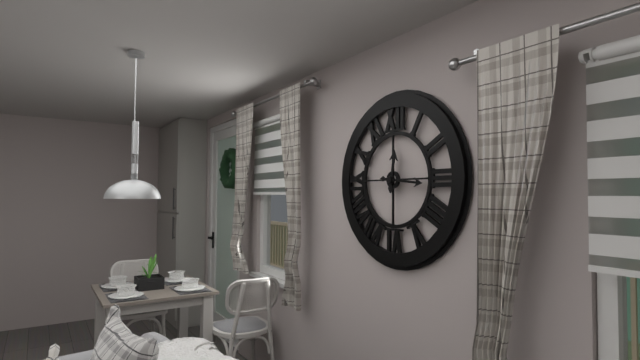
12:16
